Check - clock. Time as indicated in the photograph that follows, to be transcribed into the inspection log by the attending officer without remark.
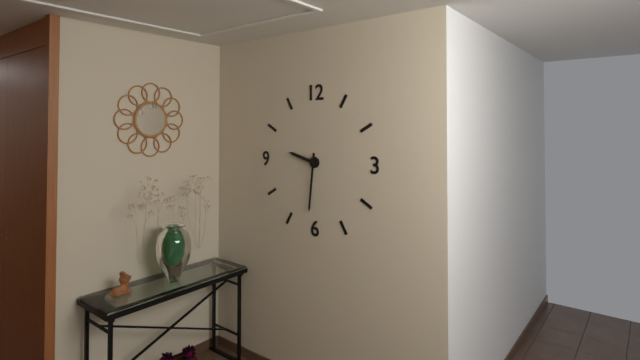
9:31
